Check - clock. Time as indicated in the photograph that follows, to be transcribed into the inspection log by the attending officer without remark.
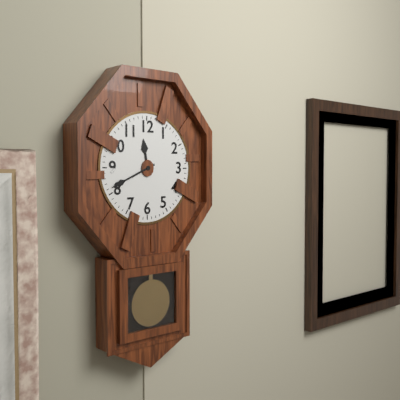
11:41
